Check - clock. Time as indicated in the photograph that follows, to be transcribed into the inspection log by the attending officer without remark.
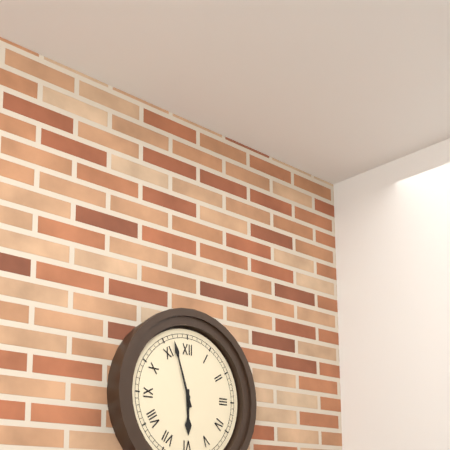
5:57
